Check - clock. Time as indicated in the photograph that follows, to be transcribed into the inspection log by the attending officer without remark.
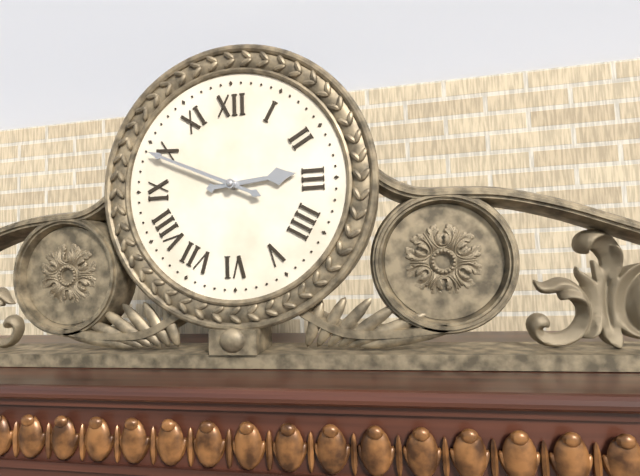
2:49
